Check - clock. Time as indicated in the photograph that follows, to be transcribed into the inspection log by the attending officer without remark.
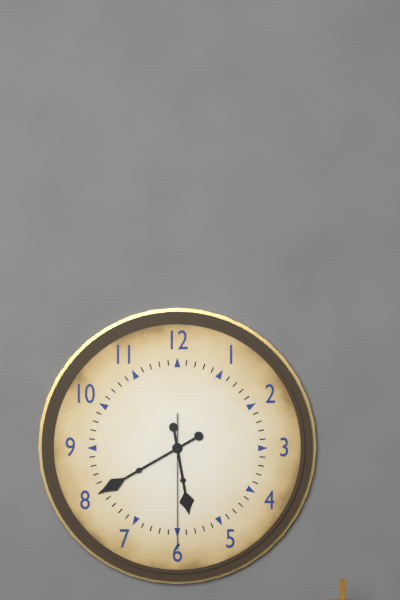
5:40:30
